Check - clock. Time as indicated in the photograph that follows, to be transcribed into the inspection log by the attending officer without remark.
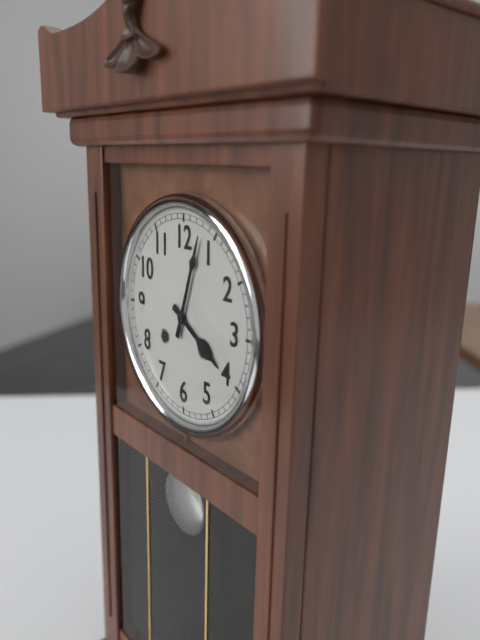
4:03
